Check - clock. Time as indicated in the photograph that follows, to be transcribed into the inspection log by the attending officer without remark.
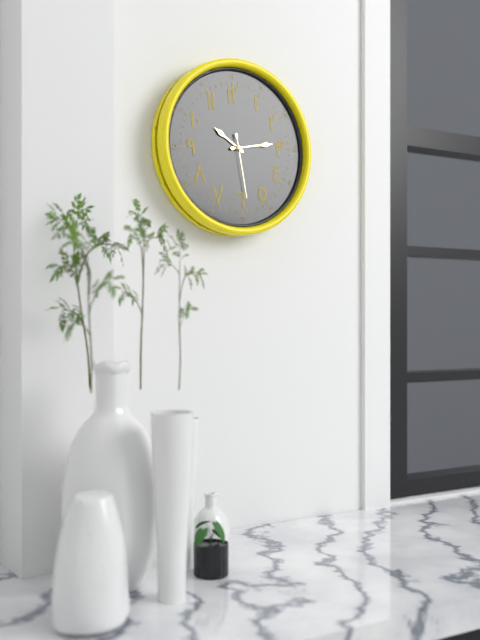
10:14:29
